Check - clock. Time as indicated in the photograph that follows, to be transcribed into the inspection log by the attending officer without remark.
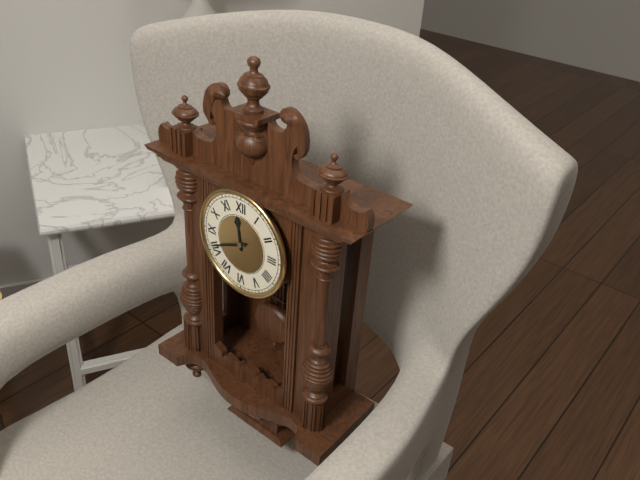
11:41
